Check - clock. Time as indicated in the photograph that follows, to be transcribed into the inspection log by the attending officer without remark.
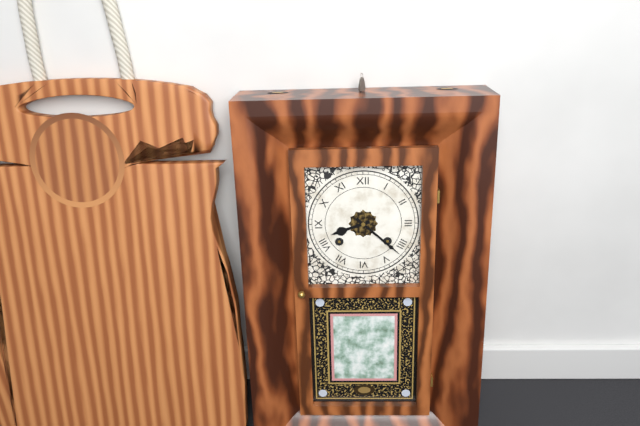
8:22
